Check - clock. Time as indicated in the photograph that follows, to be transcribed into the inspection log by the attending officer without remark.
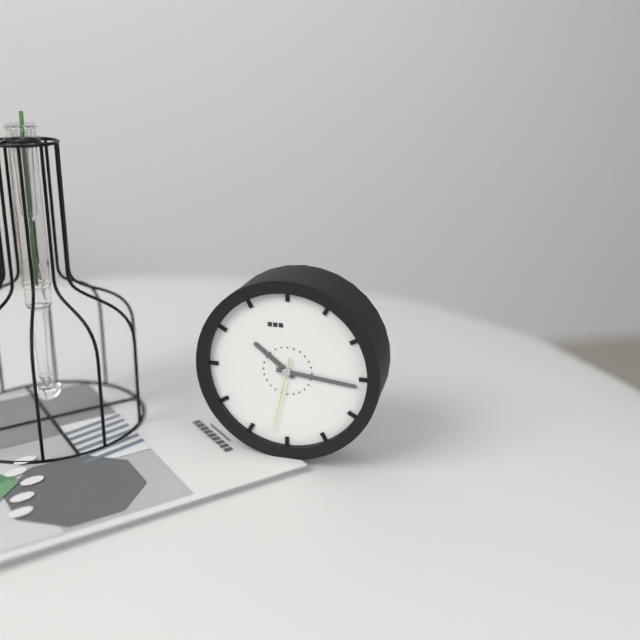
10:16:32
